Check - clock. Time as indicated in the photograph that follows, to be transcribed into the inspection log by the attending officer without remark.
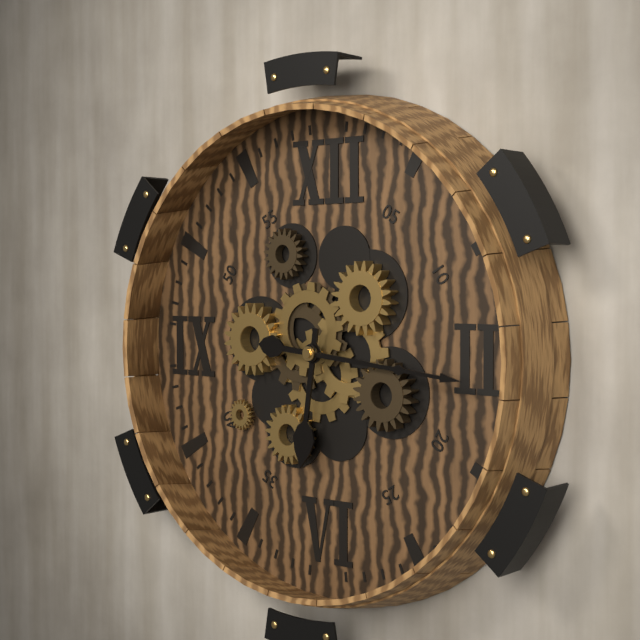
6:16
